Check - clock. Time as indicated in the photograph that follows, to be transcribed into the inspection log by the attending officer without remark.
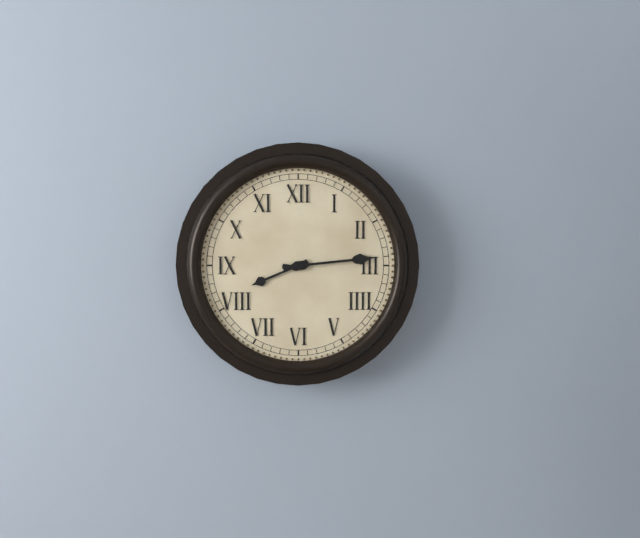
8:14
